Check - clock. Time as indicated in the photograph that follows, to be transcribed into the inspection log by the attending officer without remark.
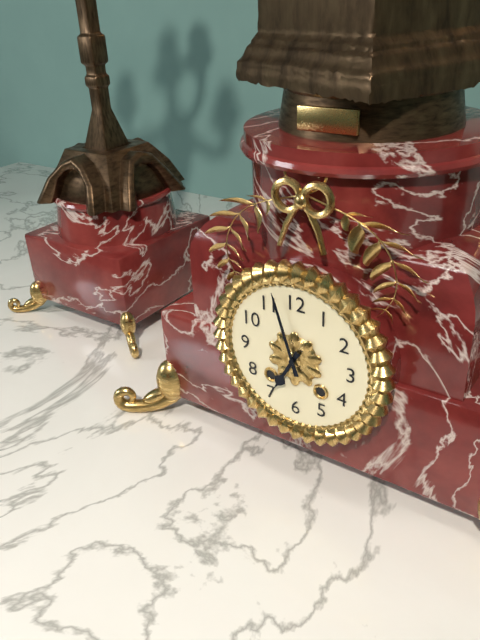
6:57
